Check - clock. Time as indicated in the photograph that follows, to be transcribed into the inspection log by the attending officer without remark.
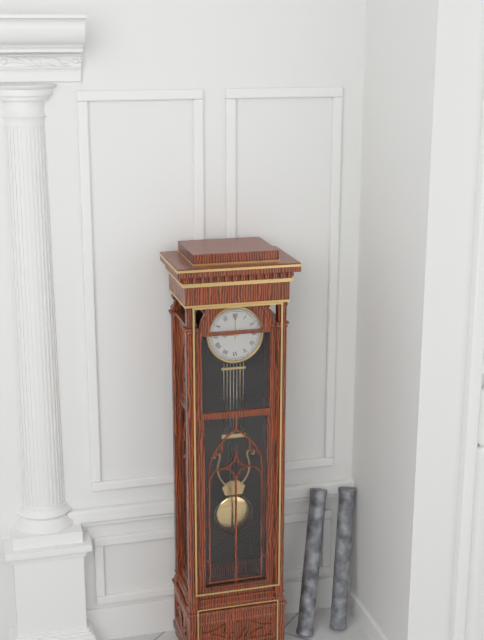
9:00
